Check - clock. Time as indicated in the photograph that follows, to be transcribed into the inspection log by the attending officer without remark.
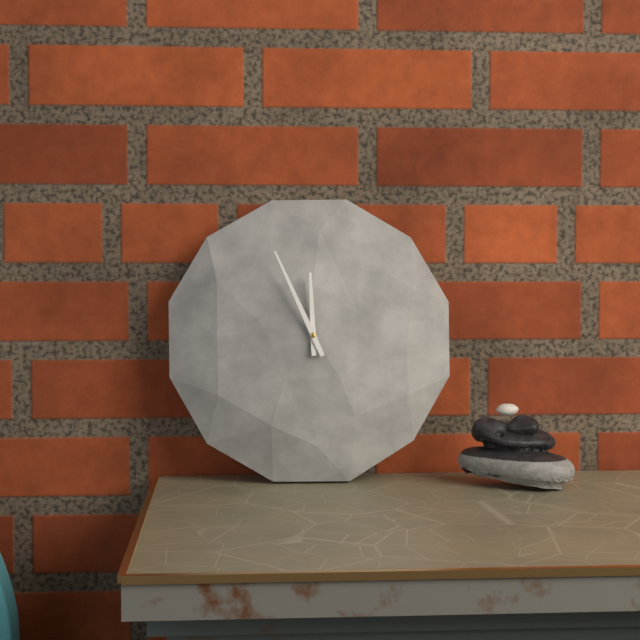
11:56
